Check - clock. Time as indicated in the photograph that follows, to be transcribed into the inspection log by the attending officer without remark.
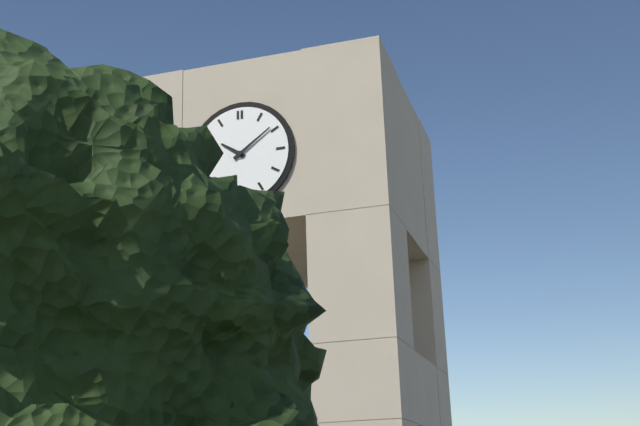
10:09
